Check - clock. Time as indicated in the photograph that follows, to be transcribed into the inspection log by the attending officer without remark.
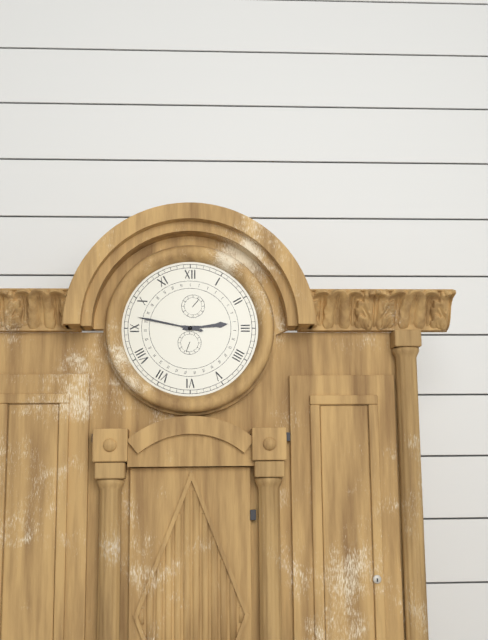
2:47
